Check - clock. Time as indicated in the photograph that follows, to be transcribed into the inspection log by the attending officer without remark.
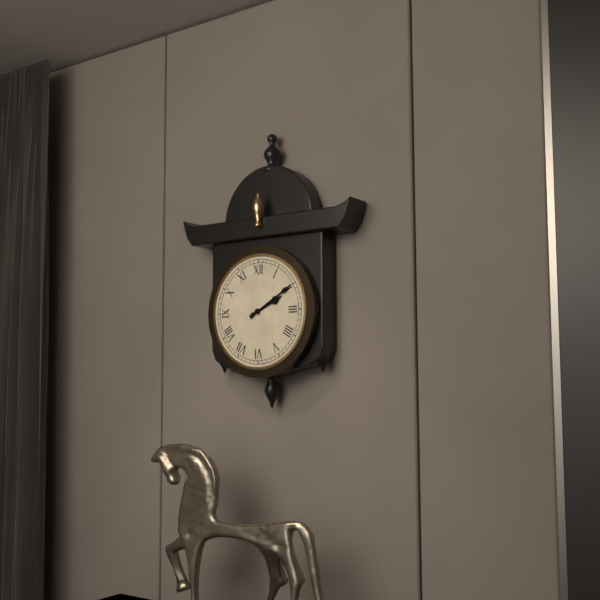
2:10
